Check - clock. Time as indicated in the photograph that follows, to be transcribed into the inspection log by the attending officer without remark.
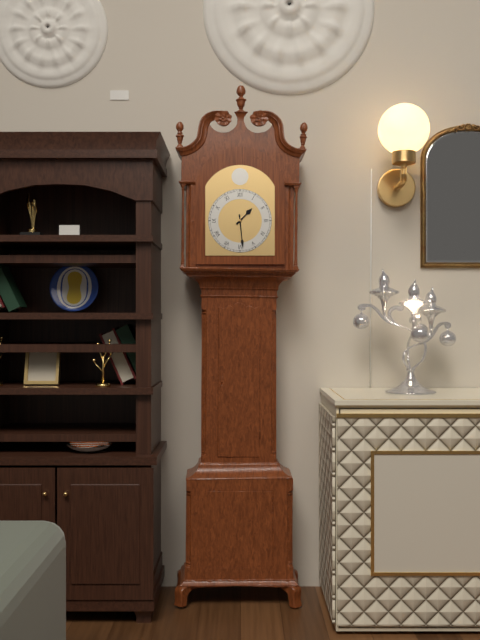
1:29
